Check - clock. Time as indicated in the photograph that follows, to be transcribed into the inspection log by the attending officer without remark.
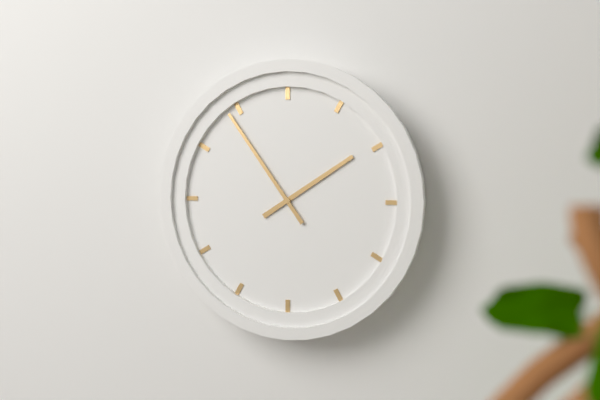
1:54
